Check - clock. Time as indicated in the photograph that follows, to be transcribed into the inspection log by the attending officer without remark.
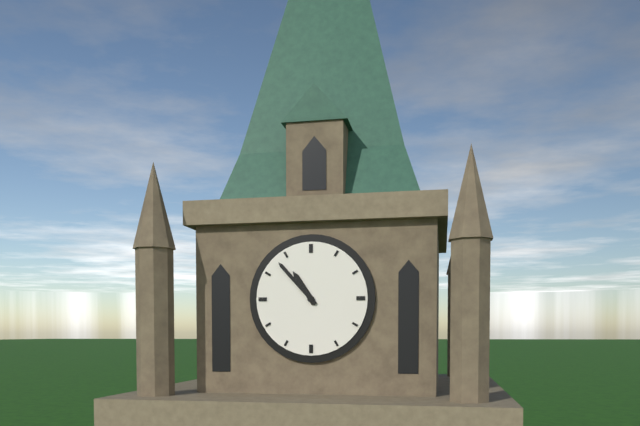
10:53
